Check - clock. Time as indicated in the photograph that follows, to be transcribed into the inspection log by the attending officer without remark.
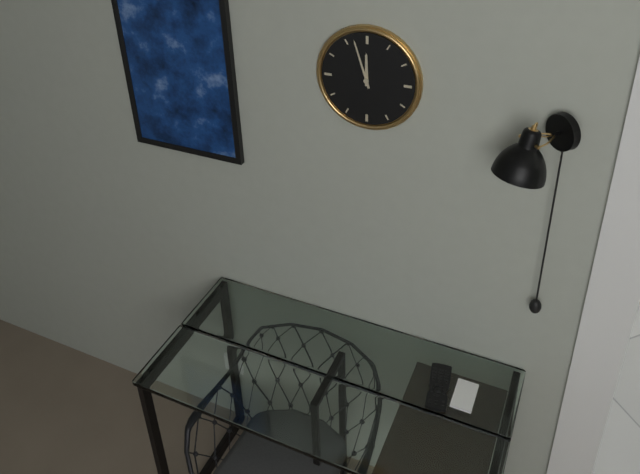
11:57
